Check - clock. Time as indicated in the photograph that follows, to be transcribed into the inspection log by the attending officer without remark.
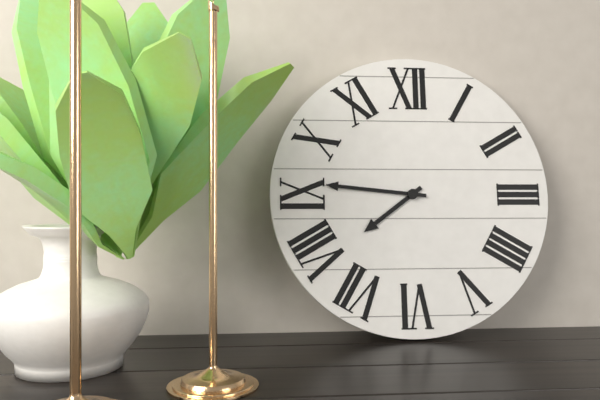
7:46
